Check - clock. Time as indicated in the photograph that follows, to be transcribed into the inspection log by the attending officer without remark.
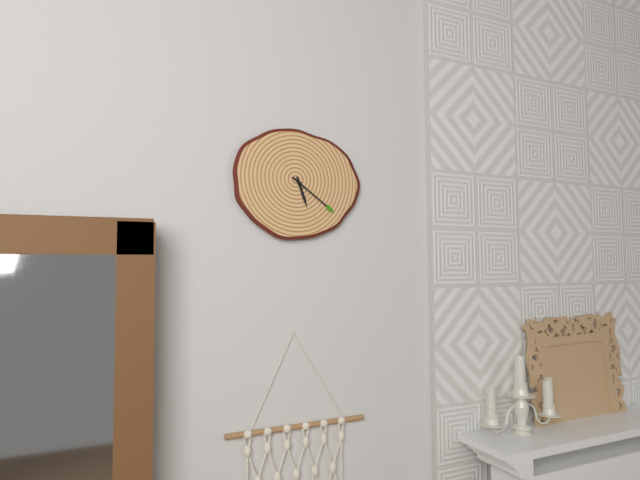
5:21
